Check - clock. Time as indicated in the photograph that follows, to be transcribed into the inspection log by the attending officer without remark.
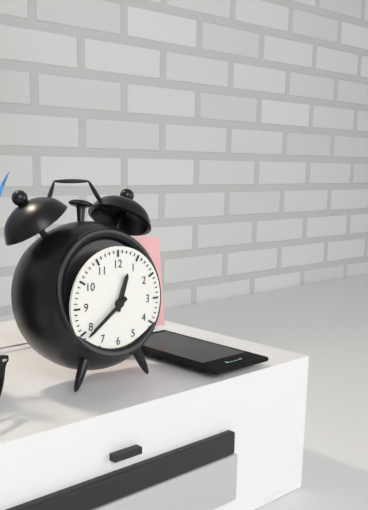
12:39
